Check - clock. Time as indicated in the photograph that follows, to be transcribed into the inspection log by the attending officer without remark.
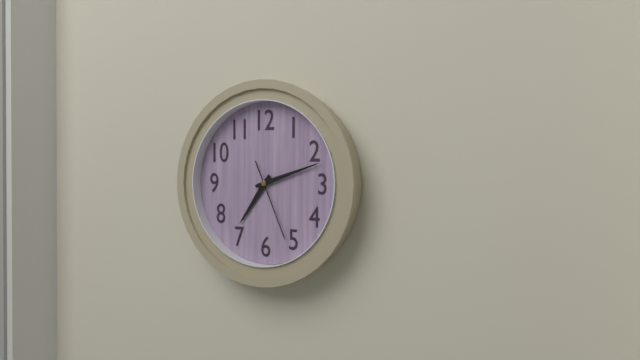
7:12:26
